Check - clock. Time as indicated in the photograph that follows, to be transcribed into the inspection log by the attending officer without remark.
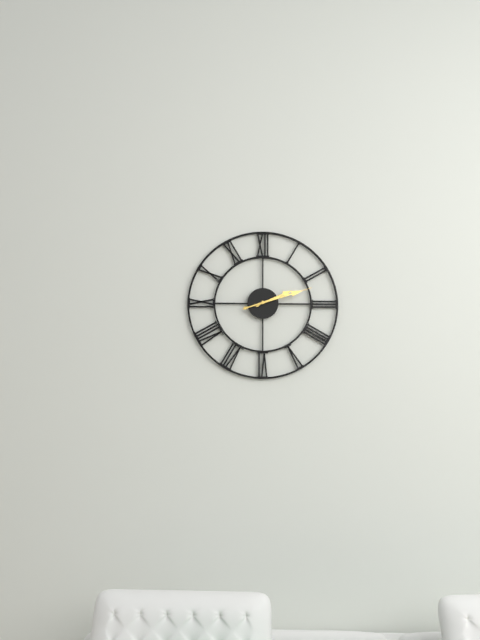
2:12
